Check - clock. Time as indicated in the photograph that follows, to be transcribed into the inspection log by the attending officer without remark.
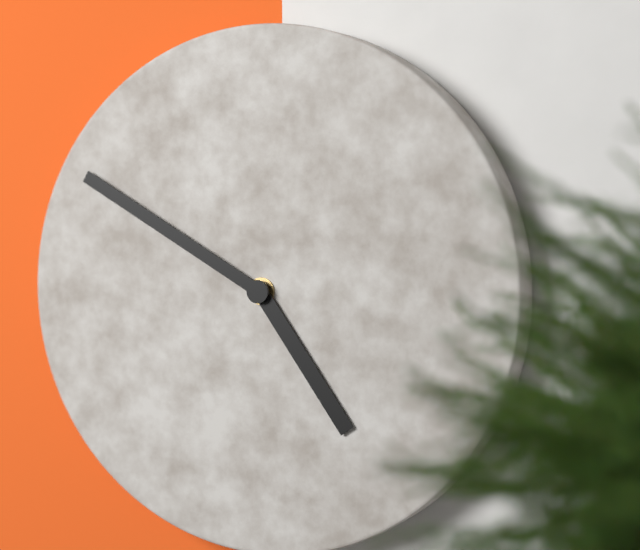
4:50
